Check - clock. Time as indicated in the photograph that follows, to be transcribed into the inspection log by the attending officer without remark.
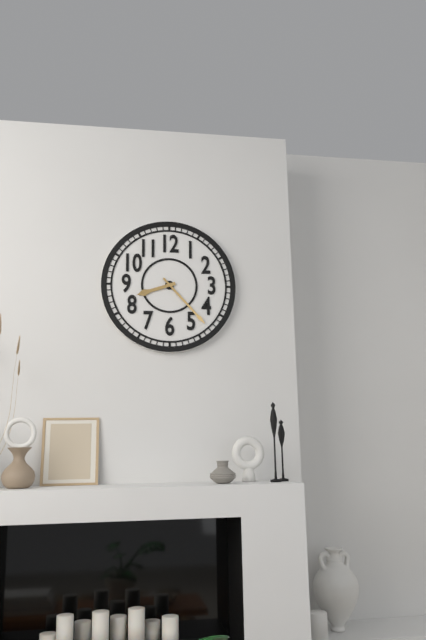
8:23
